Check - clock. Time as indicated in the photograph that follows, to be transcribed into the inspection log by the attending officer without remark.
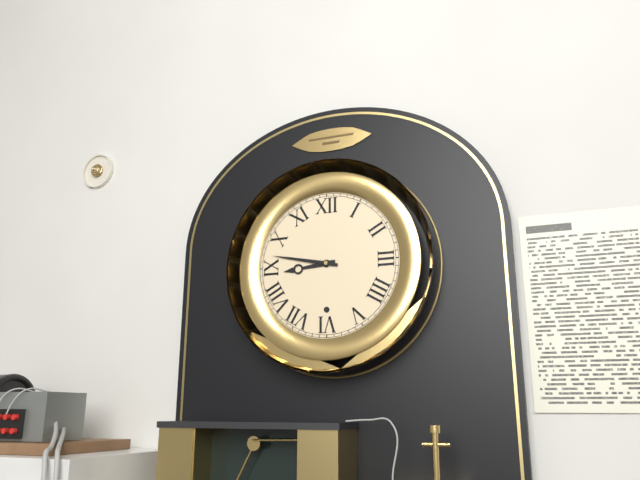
8:47
